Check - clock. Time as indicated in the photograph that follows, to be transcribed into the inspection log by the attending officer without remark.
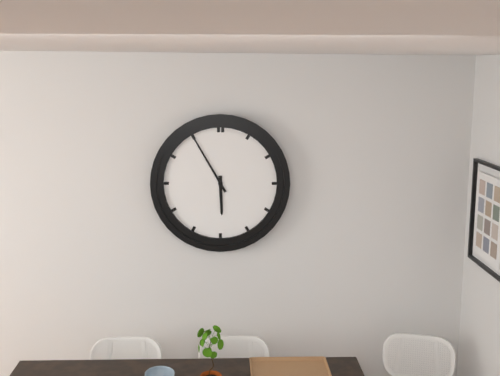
5:55
